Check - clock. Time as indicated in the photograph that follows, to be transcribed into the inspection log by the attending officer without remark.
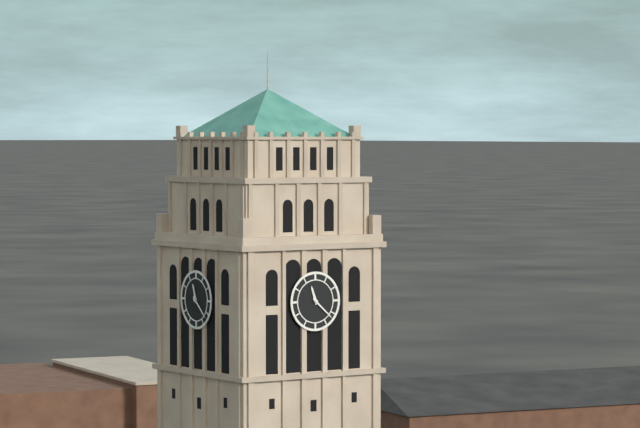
11:22
